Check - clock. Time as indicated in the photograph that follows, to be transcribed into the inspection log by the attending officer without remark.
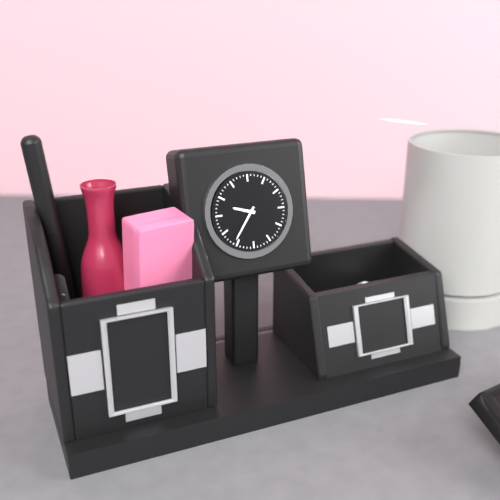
9:36
